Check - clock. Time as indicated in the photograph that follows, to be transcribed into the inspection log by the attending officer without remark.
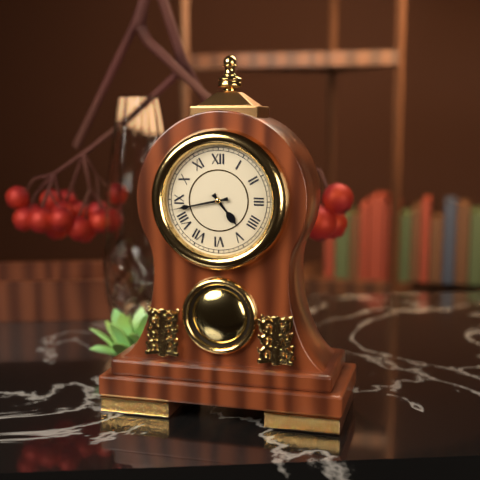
4:43
